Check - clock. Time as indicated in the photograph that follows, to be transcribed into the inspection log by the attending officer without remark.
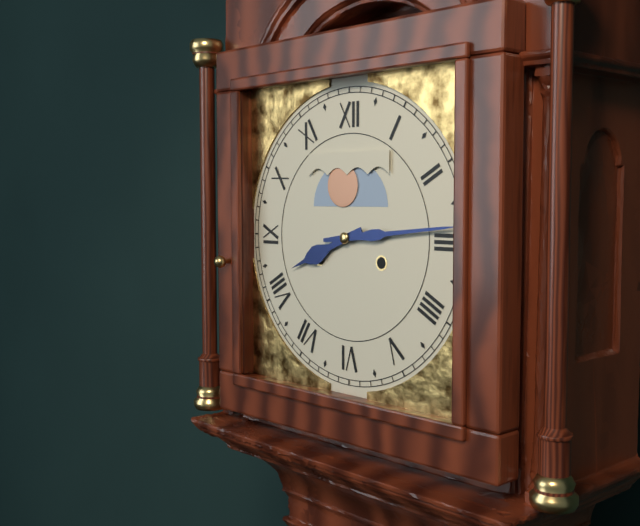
8:14
